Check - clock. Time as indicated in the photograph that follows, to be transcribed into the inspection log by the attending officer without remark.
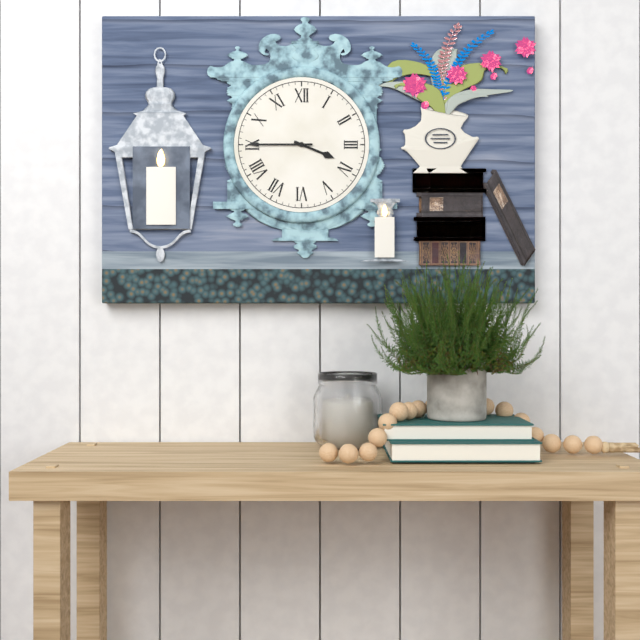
3:45
